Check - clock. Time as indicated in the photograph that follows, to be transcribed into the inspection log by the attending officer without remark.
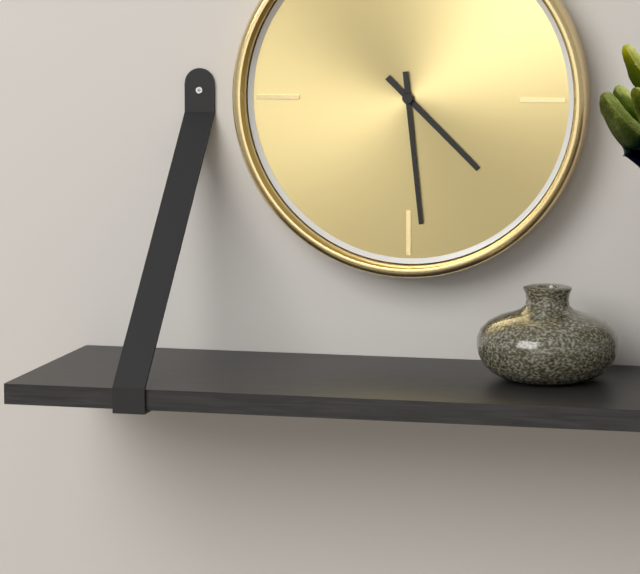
4:29
